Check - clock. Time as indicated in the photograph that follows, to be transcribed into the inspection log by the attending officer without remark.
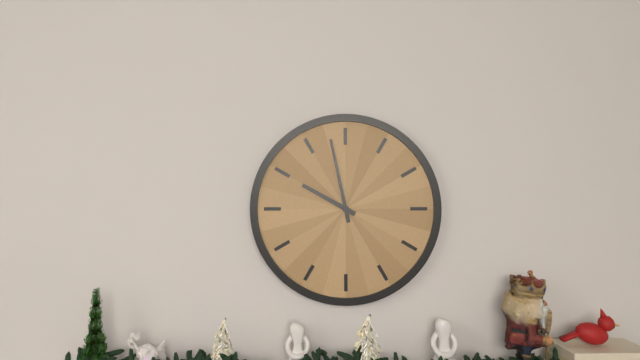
9:58
